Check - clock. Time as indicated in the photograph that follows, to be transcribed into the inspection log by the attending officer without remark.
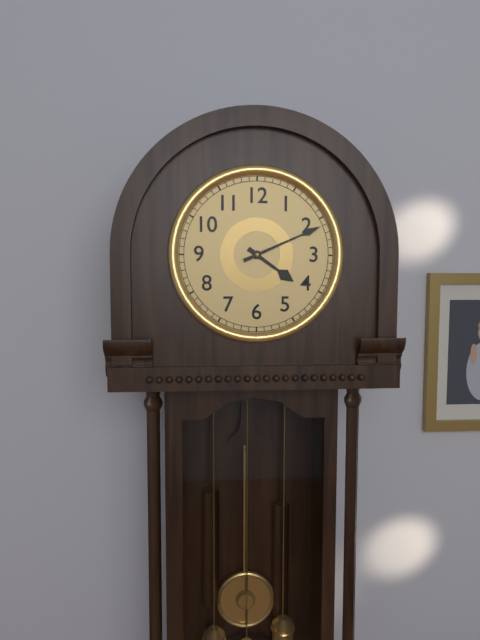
4:11
